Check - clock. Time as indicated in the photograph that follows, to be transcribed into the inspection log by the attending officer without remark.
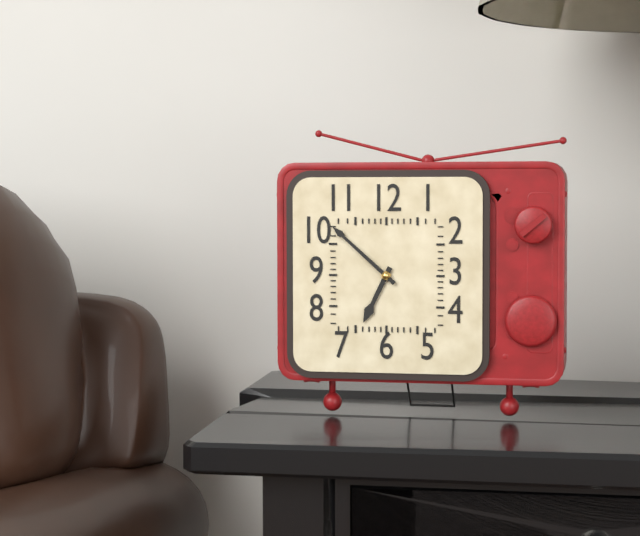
6:52
